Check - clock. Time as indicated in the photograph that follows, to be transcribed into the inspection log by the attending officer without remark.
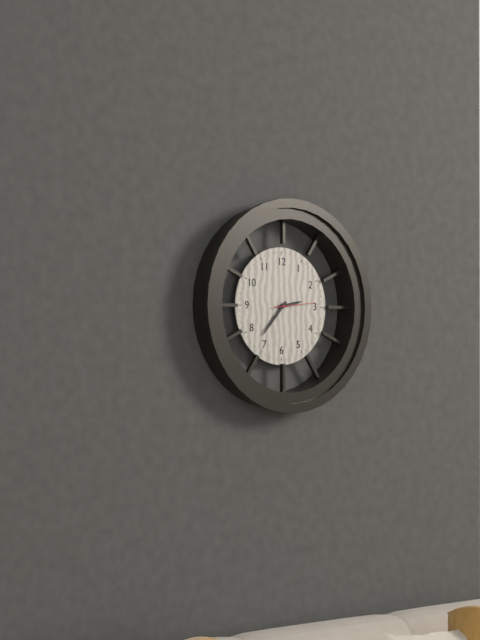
2:37
